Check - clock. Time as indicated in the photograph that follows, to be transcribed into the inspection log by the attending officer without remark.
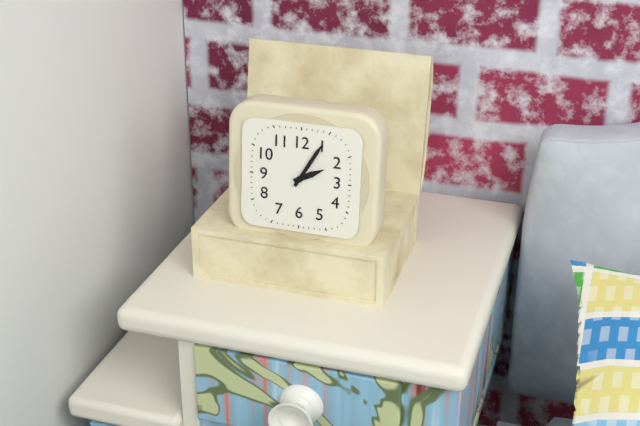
2:05
